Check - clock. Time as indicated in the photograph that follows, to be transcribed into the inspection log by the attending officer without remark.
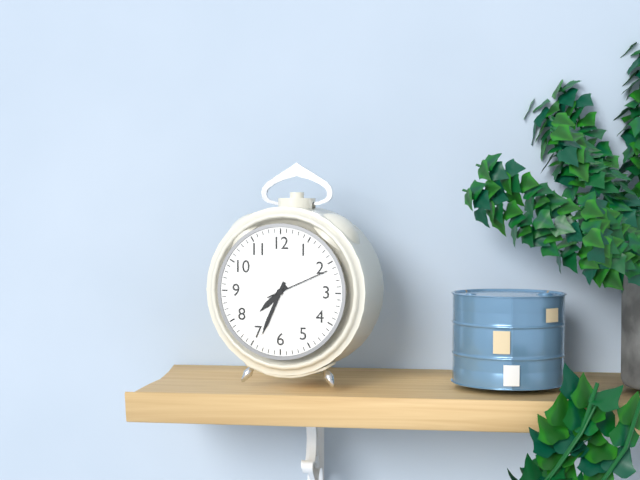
7:34:11
